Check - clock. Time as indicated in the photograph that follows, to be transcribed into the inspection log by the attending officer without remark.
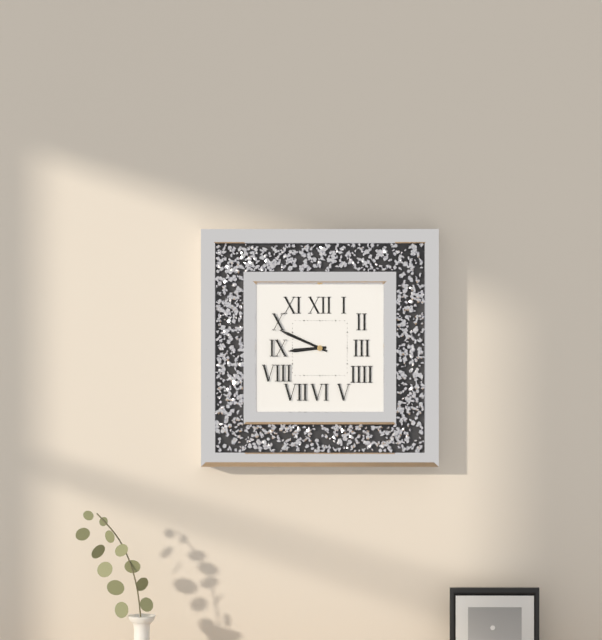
8:49
